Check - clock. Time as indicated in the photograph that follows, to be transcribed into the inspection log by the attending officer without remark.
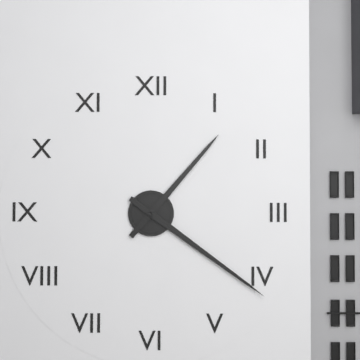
1:21
